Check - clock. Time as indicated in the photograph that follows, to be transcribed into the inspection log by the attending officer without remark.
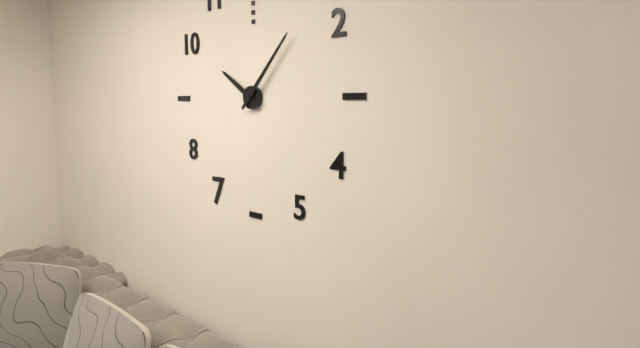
10:07
